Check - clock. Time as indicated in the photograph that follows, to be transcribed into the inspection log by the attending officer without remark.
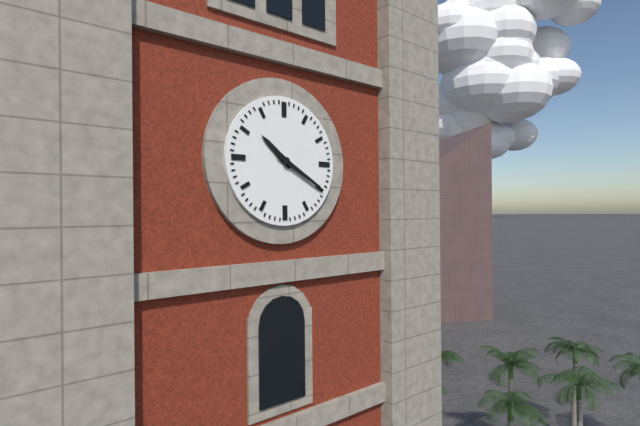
10:20
